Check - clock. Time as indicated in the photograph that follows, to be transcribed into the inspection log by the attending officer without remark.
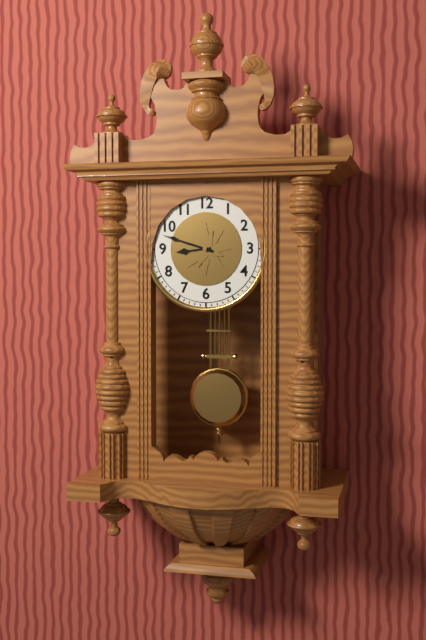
8:48
